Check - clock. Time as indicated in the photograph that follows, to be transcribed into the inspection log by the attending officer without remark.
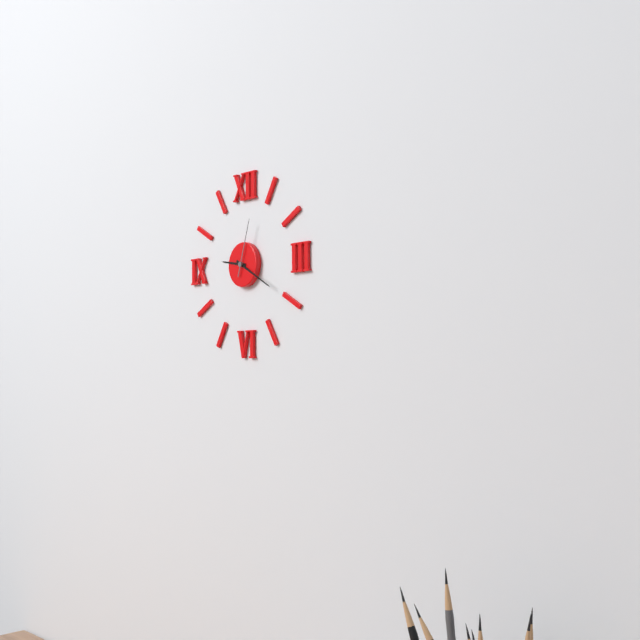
9:20:03
